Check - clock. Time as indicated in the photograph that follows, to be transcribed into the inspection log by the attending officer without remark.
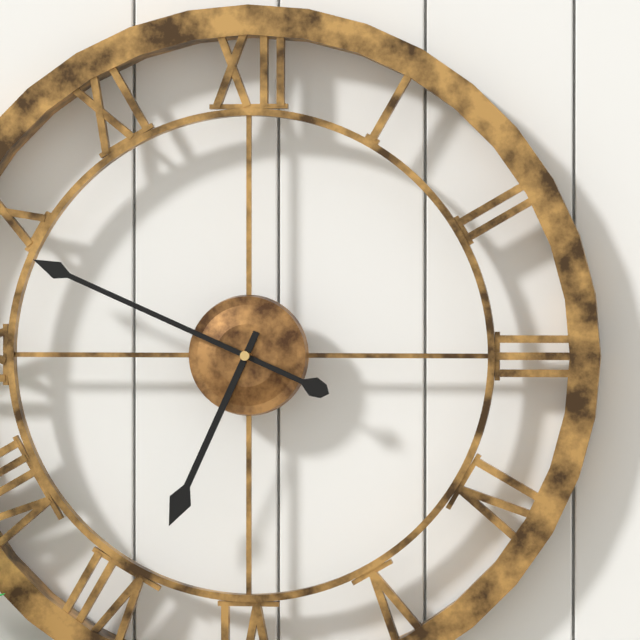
6:49
